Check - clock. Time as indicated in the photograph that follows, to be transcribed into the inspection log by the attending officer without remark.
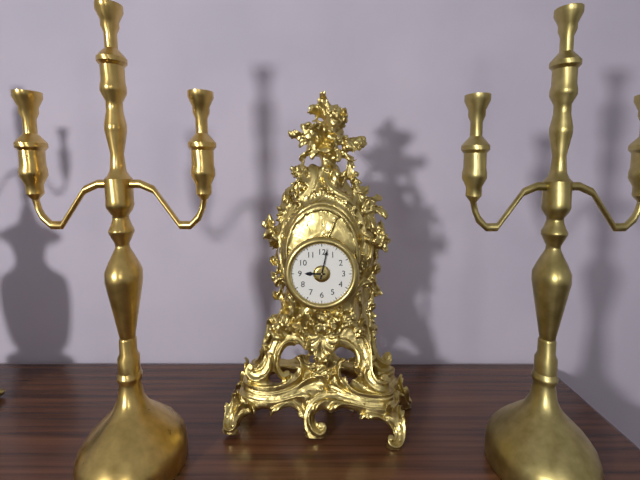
9:02
